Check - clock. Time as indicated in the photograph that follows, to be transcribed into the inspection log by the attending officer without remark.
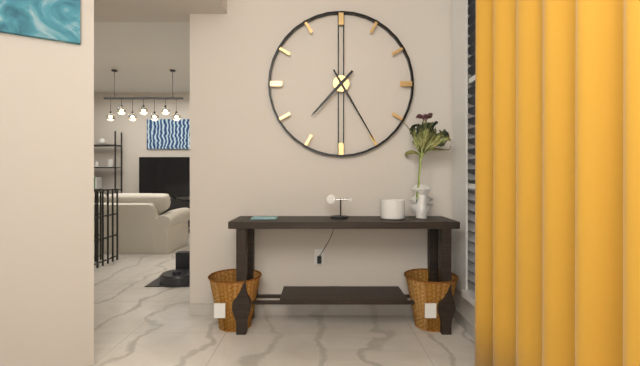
7:25
